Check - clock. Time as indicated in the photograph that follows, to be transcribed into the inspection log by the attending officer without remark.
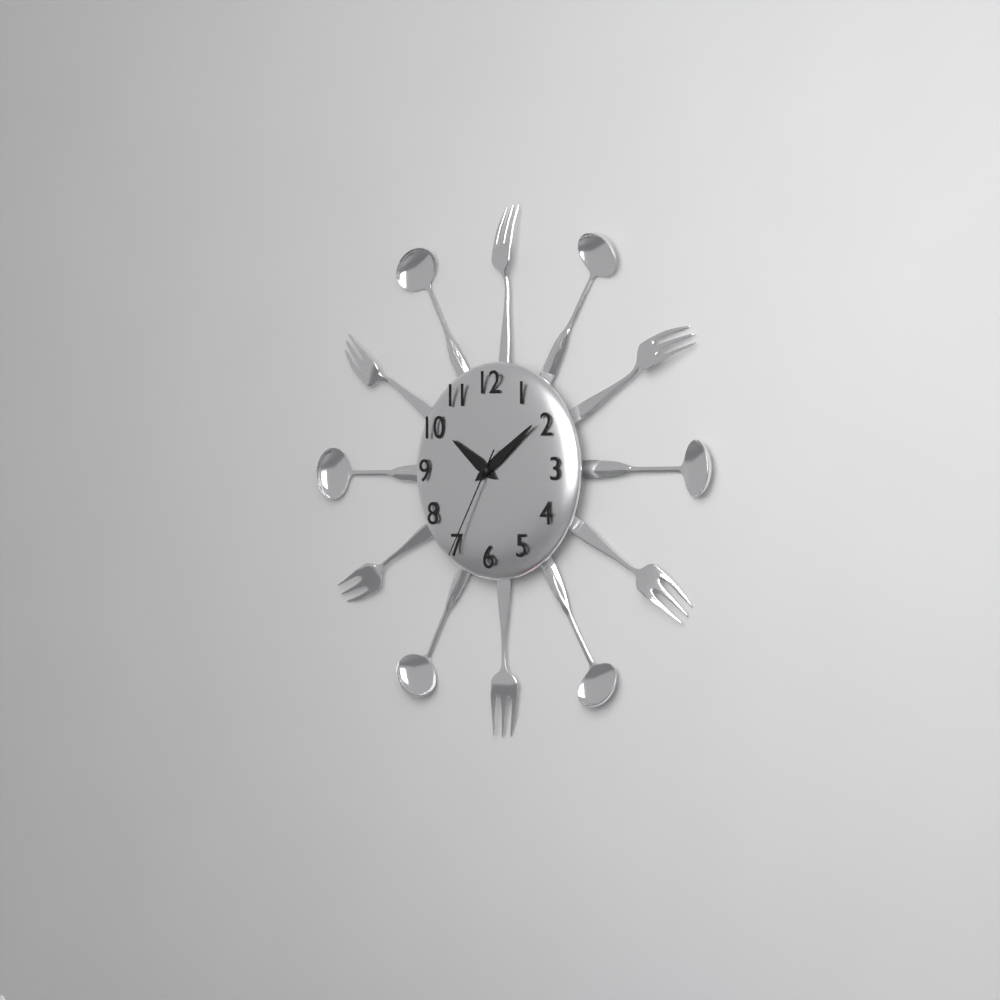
10:09:35
